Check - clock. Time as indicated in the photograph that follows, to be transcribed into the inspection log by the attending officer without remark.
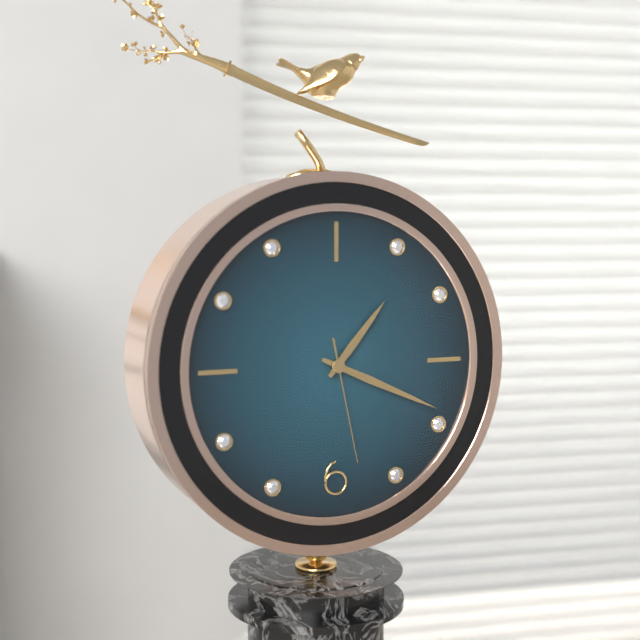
1:19:28
